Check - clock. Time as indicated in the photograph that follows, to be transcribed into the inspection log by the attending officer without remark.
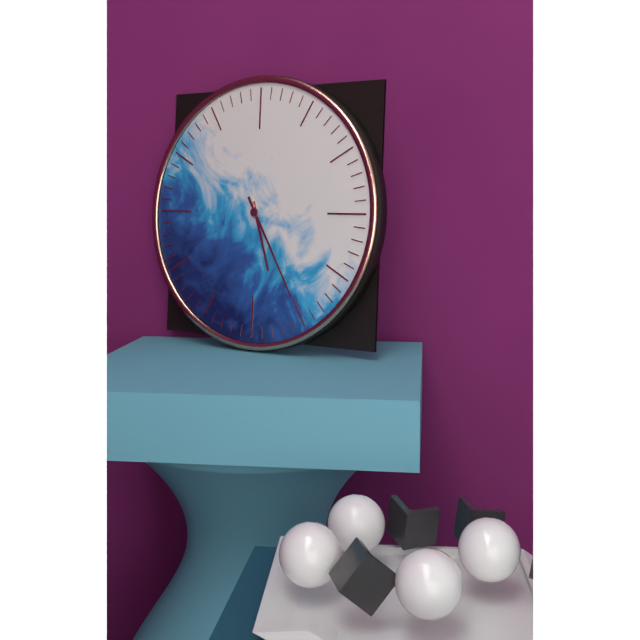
5:25
